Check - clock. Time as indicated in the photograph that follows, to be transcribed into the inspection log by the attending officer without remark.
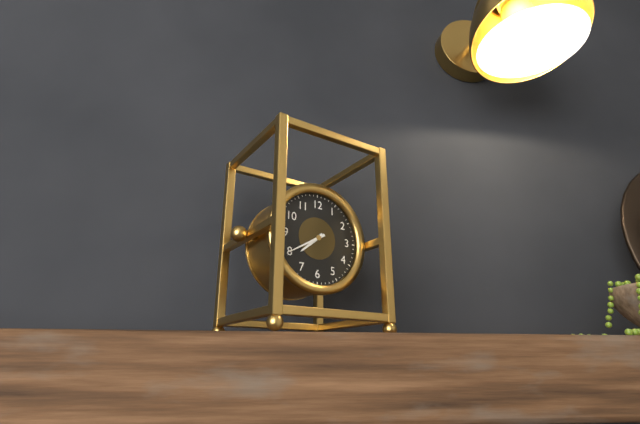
7:40
